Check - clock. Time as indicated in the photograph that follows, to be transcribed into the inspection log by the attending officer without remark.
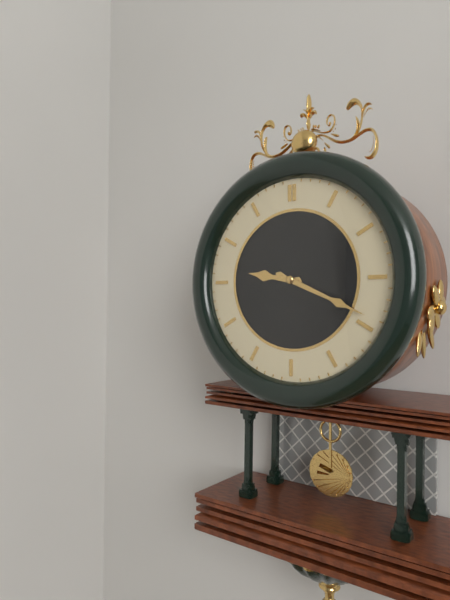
9:19
